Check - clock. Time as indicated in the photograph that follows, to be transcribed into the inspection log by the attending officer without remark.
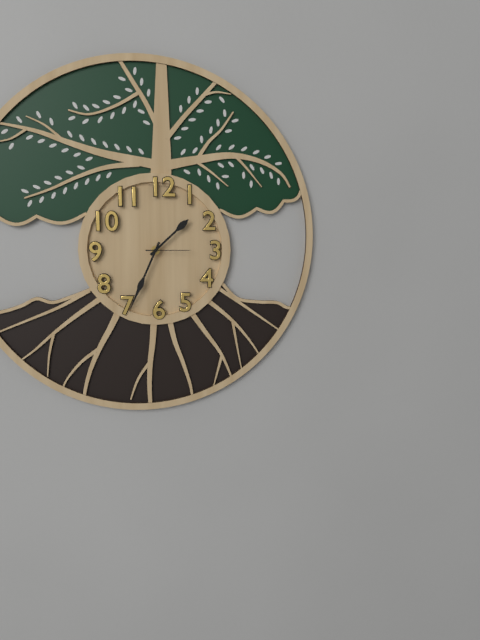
1:34
